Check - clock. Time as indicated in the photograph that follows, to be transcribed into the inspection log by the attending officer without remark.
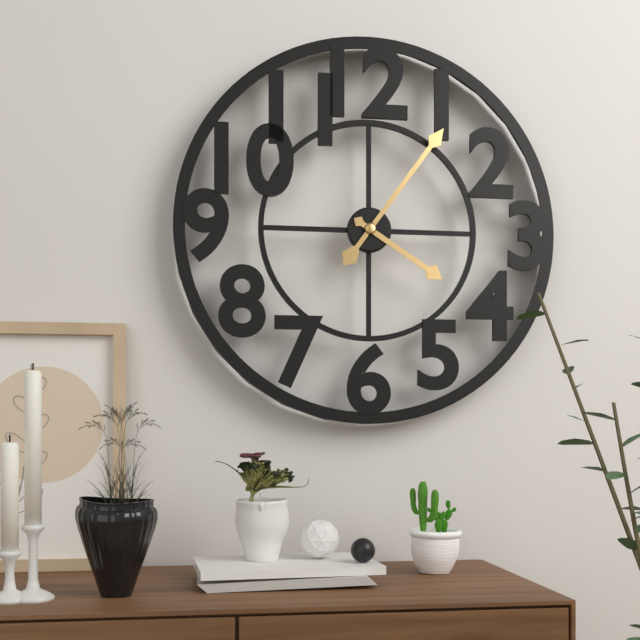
4:06
